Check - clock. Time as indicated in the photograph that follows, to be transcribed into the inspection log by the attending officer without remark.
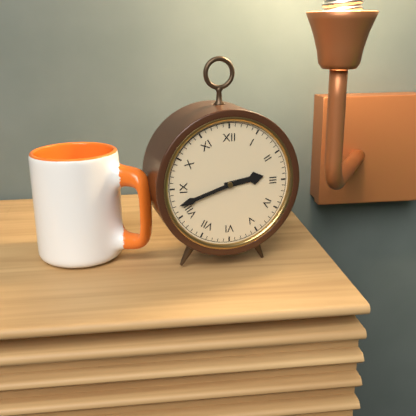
2:42
